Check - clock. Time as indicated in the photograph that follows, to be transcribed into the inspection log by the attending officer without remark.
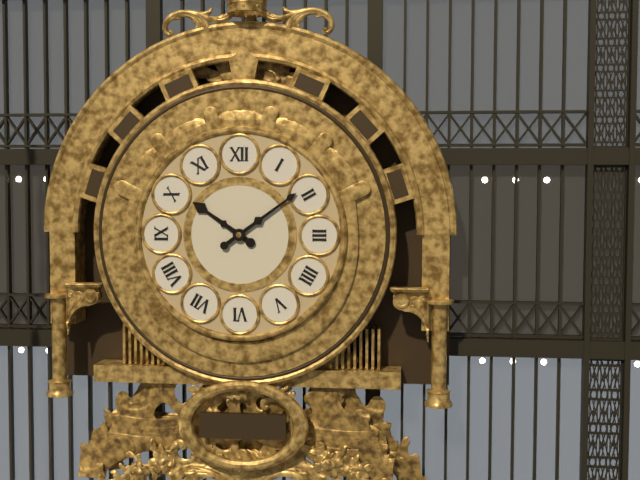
10:09
